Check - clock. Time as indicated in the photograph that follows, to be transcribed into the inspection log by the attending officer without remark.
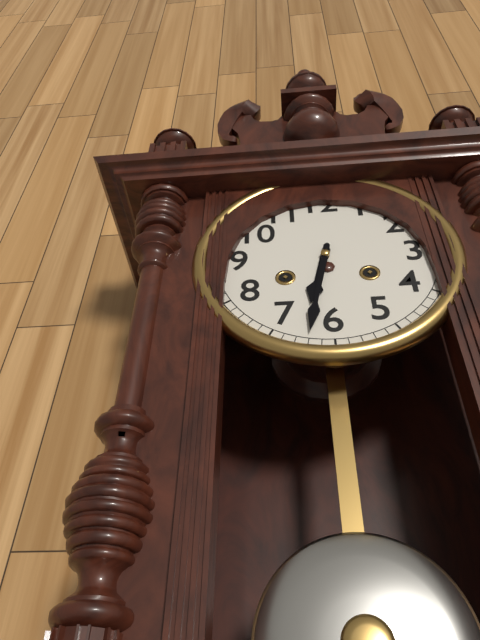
6:32
